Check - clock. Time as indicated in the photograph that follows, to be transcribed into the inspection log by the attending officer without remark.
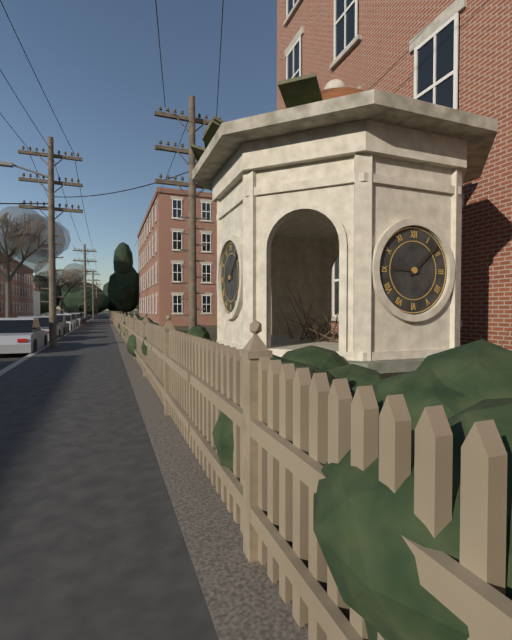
9:08
